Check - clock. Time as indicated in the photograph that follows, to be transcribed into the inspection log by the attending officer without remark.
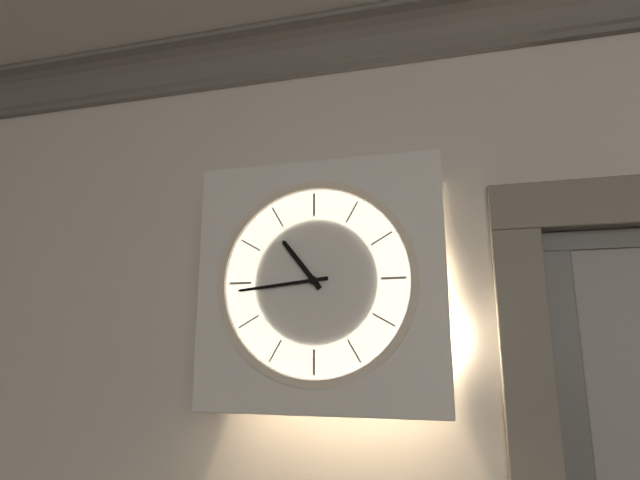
10:44
